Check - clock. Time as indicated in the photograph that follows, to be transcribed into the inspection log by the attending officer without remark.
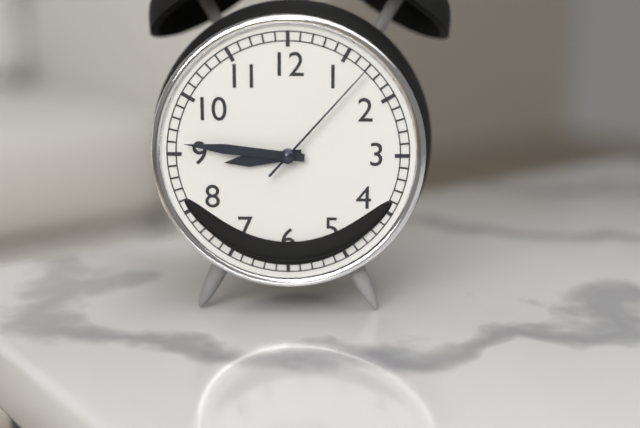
8:46:07
